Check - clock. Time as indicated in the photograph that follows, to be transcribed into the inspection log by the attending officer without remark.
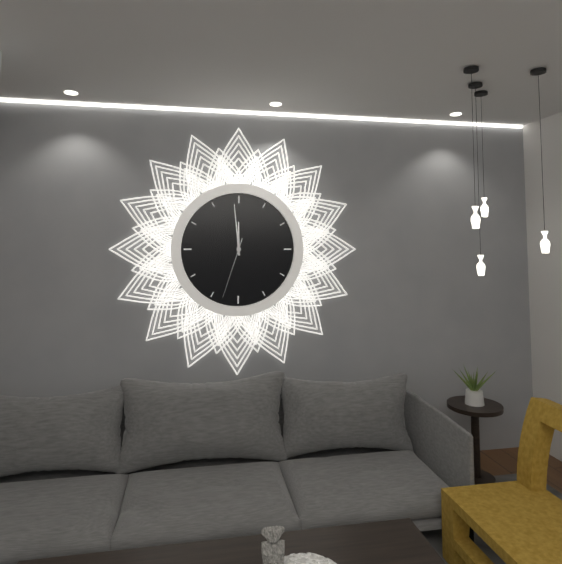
11:59:33
